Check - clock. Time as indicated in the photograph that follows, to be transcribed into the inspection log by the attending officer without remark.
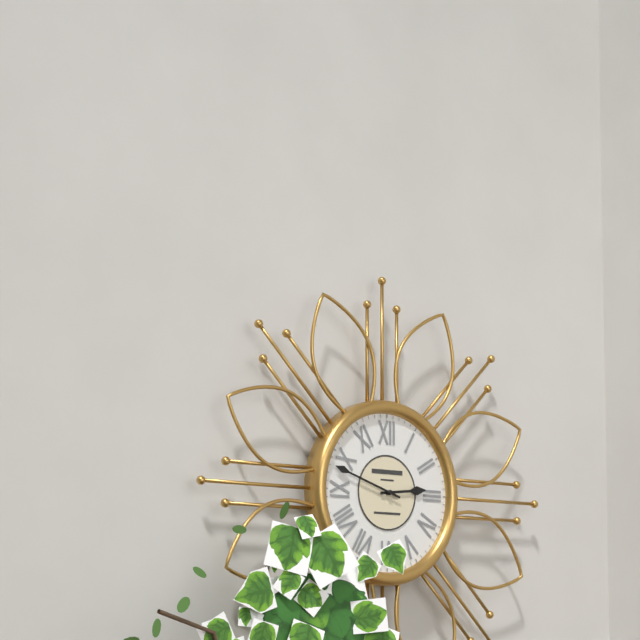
2:48
